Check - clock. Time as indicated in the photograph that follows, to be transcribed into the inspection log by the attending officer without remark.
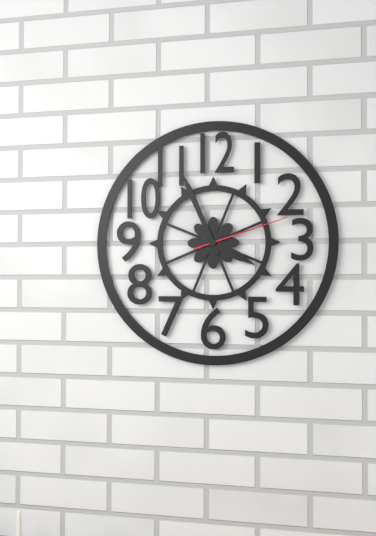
3:56:12
